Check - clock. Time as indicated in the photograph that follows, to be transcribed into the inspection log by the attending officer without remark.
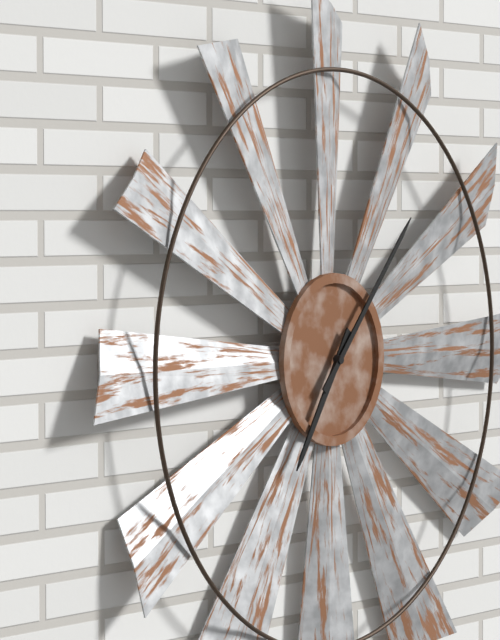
7:07
